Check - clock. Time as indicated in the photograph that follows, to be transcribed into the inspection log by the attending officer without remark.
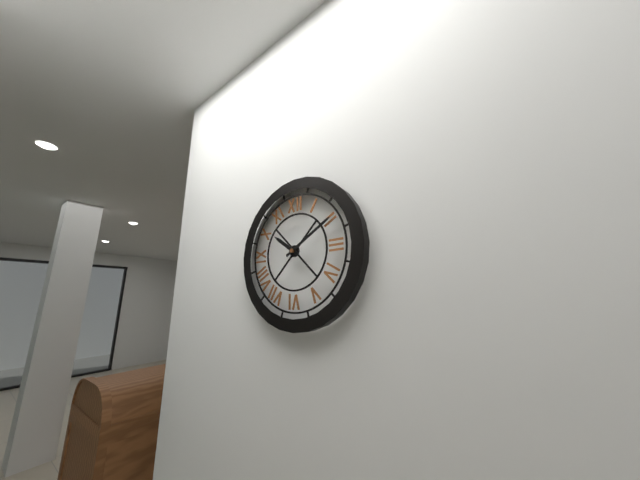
10:10
